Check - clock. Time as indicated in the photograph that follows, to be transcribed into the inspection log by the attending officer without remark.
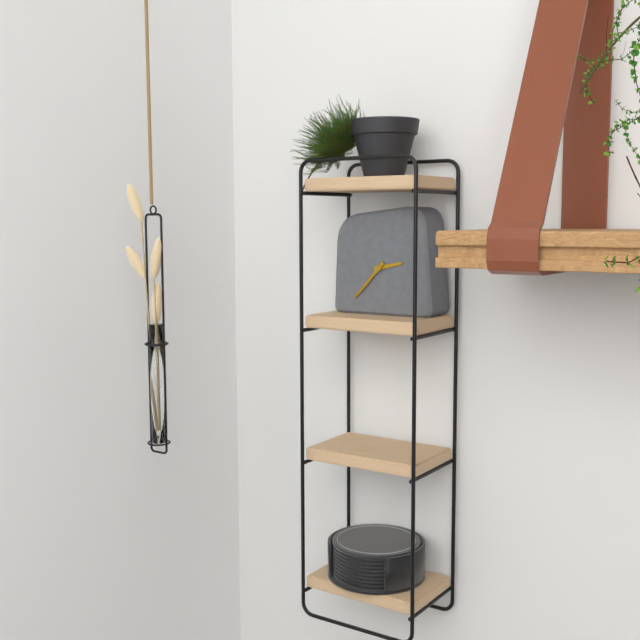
2:37
